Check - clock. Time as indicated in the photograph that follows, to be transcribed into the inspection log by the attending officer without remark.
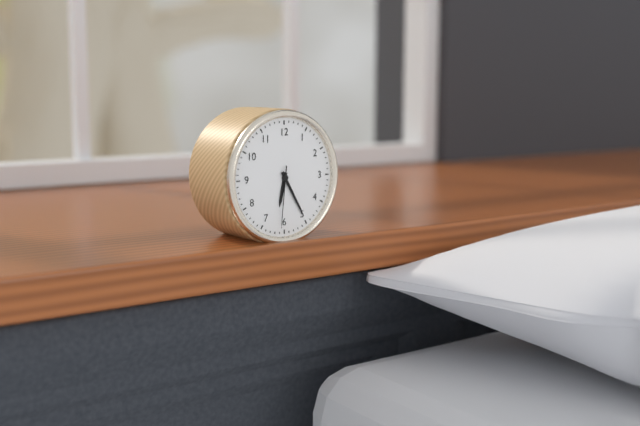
6:25:31
